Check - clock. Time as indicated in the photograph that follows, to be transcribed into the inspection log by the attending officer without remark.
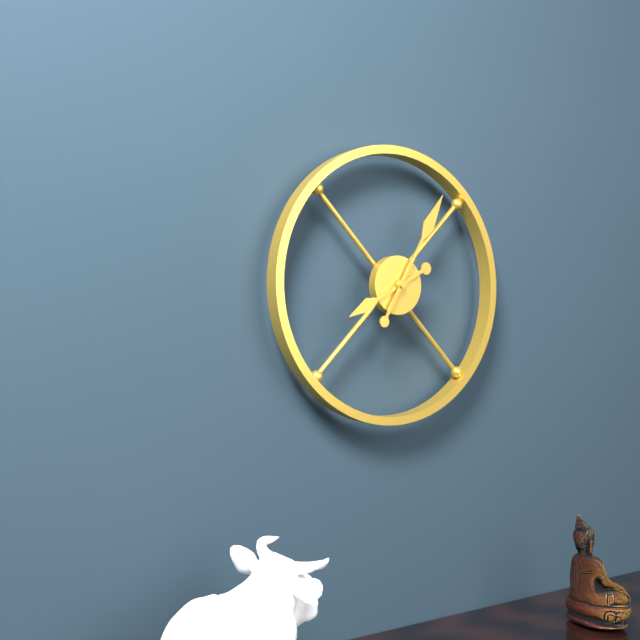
8:05
